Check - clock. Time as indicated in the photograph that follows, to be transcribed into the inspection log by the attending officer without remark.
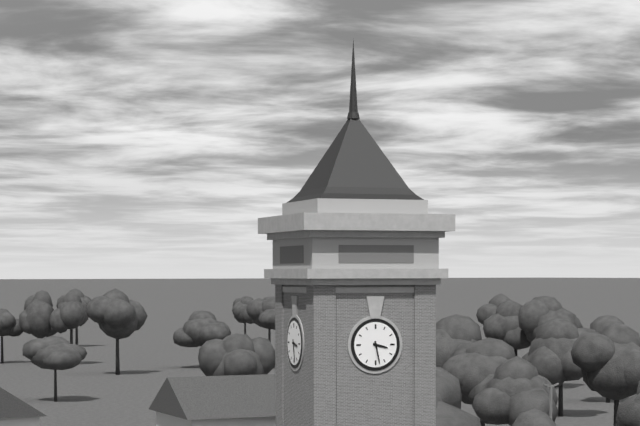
3:28
